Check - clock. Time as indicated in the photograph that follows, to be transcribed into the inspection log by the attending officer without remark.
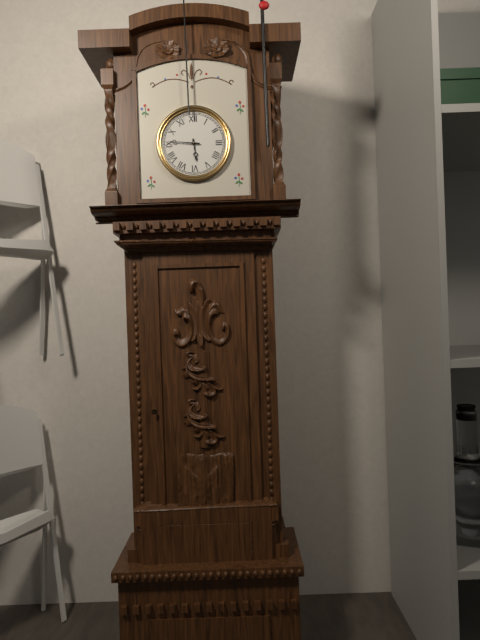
5:46
